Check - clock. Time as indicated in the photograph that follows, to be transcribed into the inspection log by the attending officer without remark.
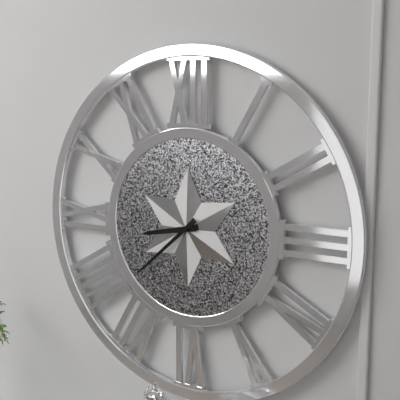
8:38
